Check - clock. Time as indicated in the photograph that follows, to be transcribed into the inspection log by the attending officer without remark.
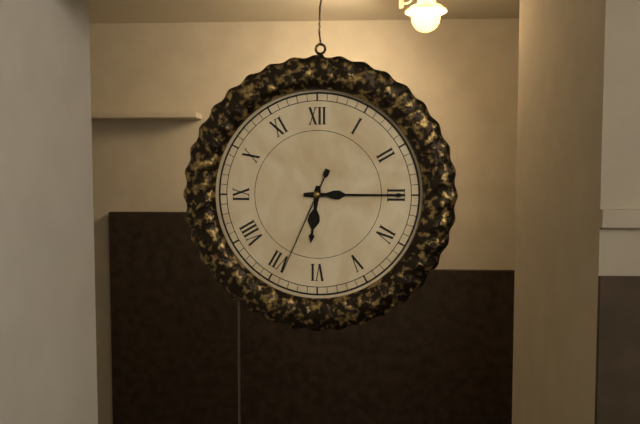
6:15:34
